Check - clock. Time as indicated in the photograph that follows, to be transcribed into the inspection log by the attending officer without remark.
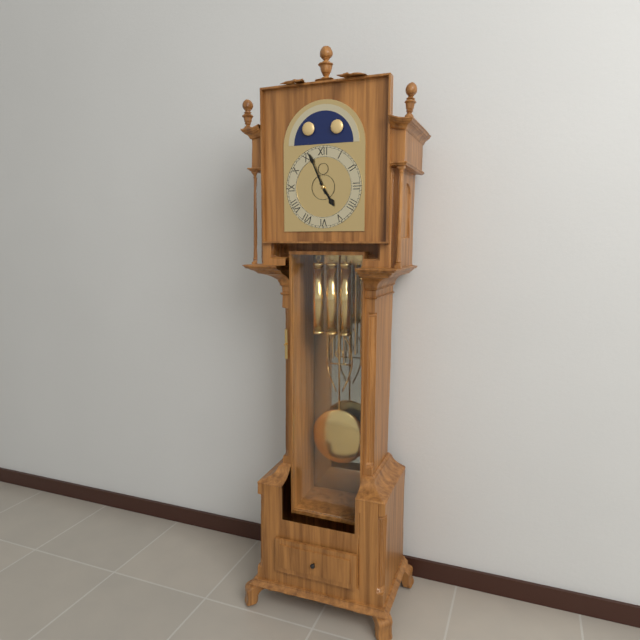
4:56
